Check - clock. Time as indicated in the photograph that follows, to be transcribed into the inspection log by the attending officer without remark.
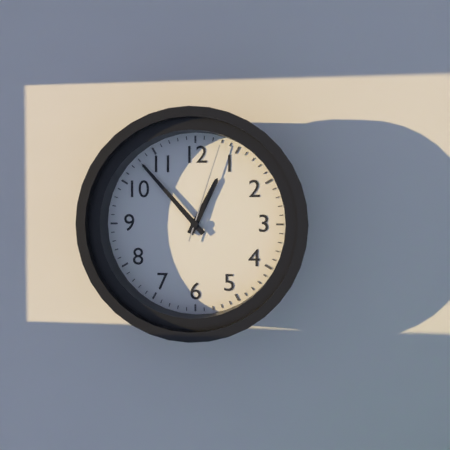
12:53:03
